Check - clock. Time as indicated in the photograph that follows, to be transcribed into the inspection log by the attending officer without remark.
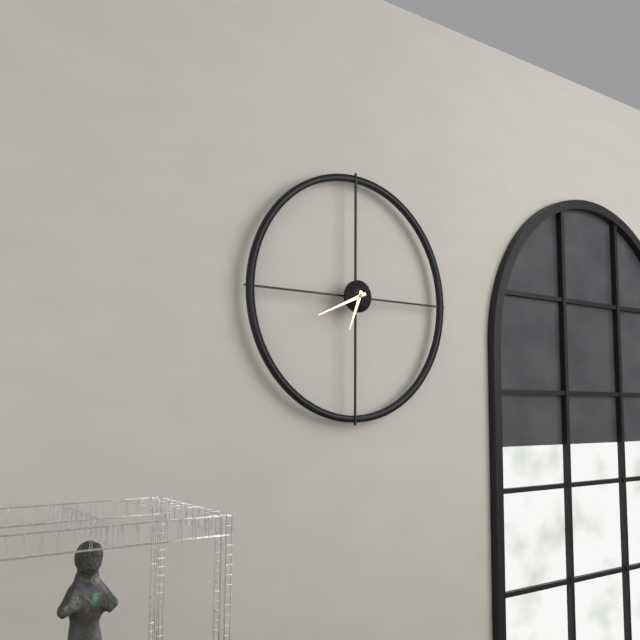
6:41
